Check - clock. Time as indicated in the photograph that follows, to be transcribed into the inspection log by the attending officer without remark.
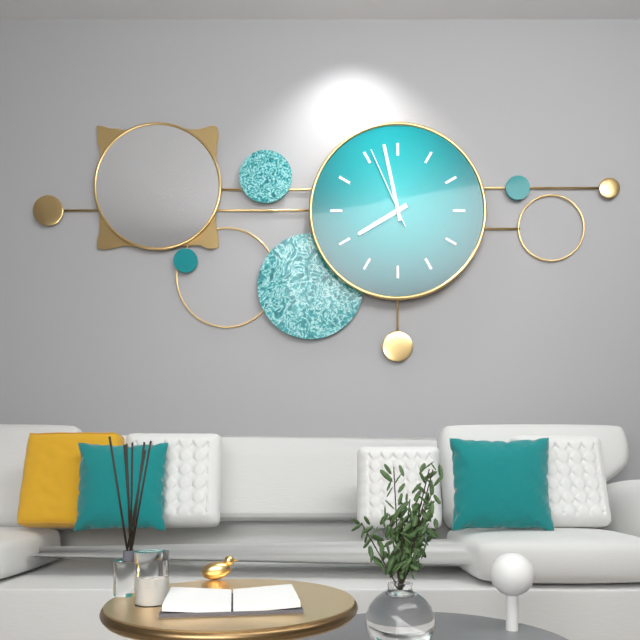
7:58:56
